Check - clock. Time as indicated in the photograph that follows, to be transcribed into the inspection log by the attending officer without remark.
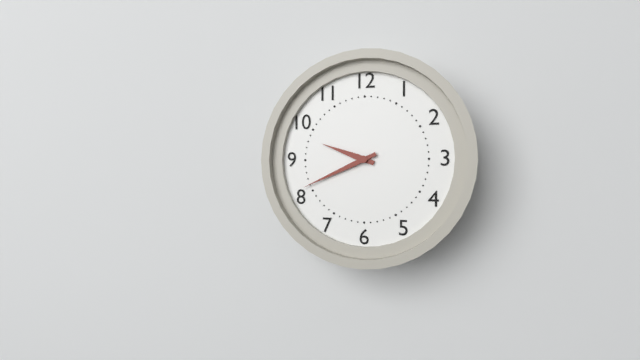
9:41
